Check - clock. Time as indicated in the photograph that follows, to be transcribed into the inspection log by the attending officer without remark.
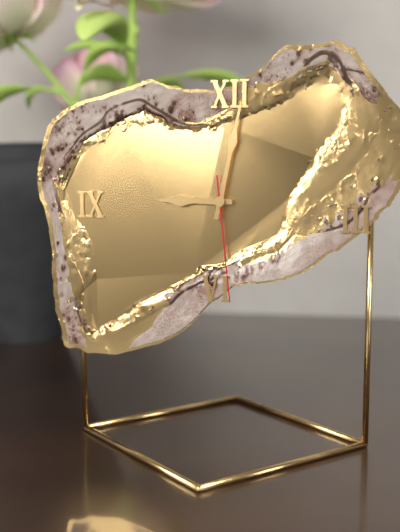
9:02:29
